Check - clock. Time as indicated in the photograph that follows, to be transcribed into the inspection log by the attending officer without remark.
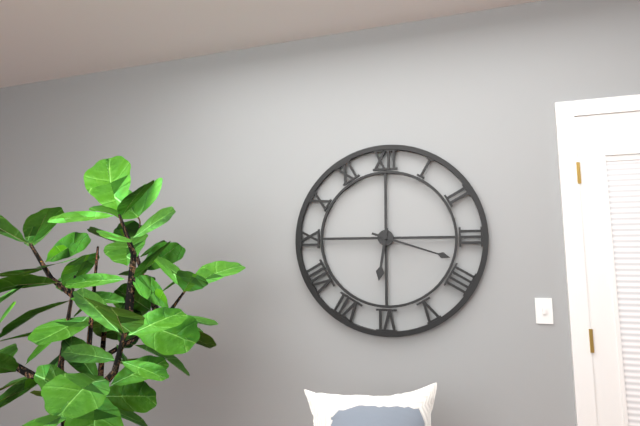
6:18
